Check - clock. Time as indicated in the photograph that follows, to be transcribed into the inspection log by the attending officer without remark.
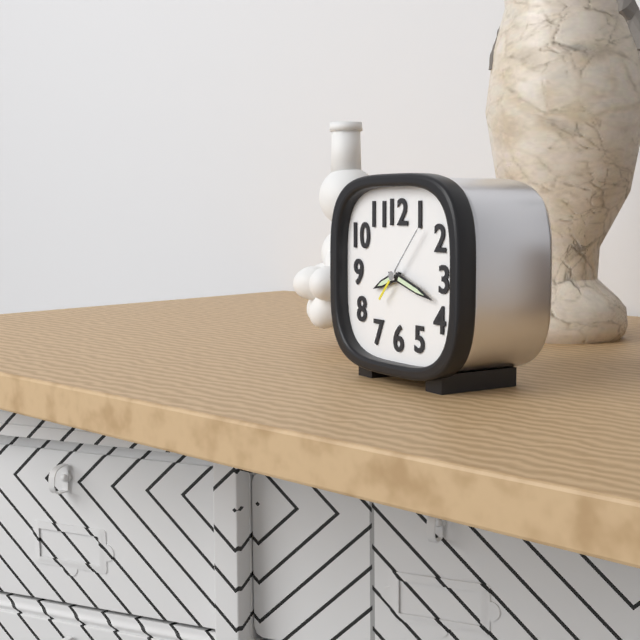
8:18:07
